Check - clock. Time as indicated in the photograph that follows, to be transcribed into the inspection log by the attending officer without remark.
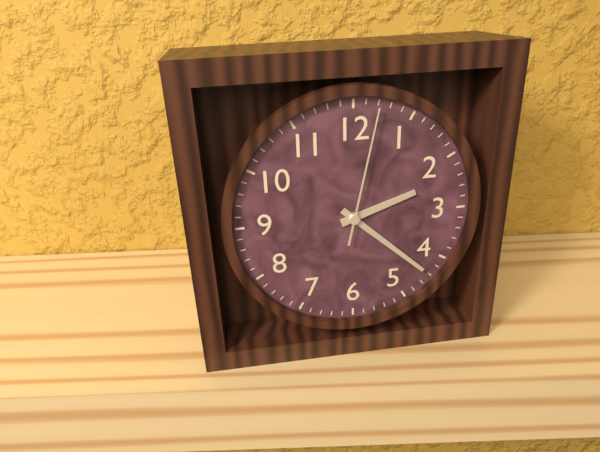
2:22:02
